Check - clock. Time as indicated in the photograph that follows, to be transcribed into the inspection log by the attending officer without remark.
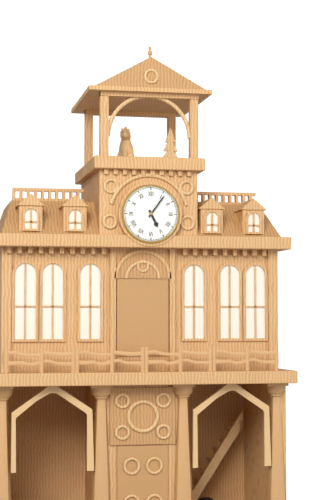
5:06
